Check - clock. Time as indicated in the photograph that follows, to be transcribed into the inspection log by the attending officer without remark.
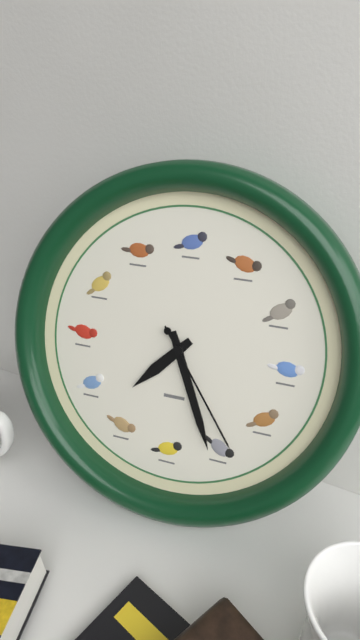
7:26:24
